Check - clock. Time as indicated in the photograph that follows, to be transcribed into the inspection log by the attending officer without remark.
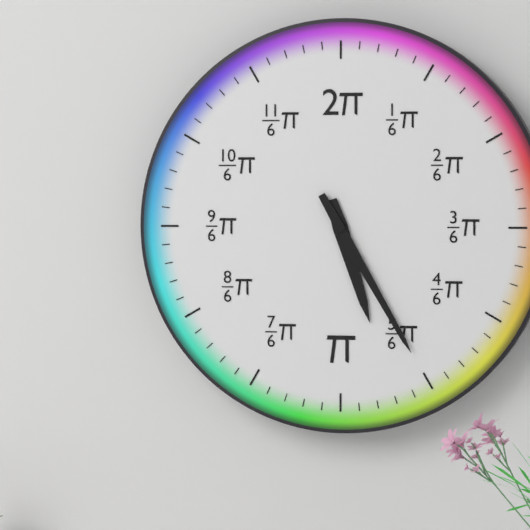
5:25
